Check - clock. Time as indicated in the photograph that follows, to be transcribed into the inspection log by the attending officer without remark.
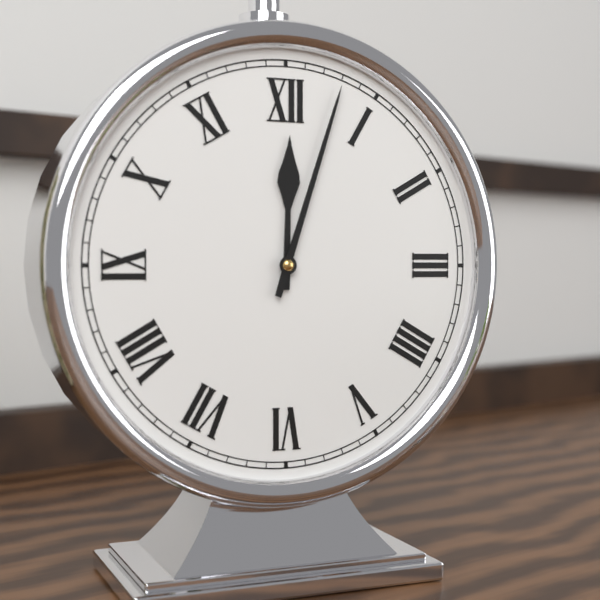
12:03
